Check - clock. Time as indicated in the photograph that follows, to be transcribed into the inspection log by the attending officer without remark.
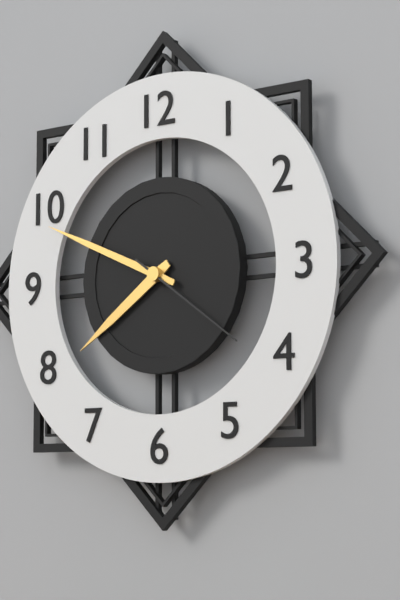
7:49:21
